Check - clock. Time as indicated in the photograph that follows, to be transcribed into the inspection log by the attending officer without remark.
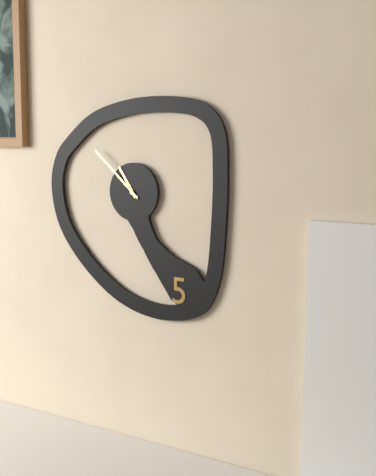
10:52
